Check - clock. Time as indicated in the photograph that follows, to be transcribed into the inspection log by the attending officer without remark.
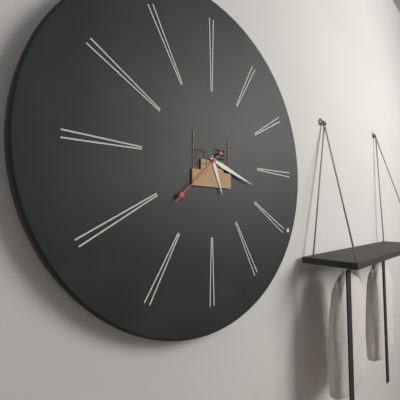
5:18:38
